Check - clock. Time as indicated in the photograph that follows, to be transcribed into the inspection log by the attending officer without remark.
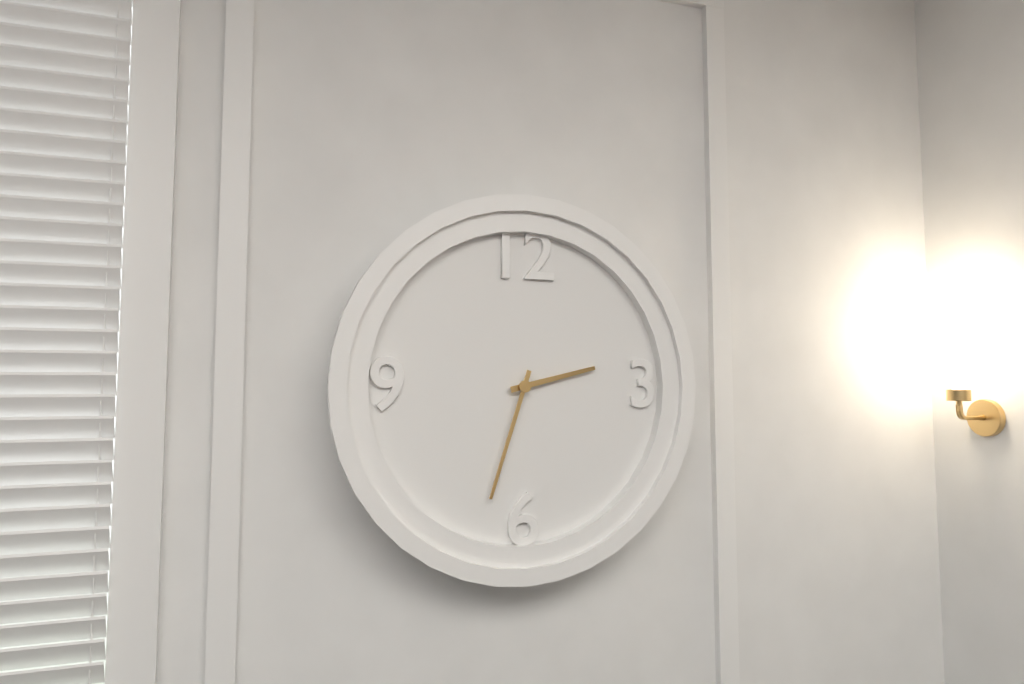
2:33
